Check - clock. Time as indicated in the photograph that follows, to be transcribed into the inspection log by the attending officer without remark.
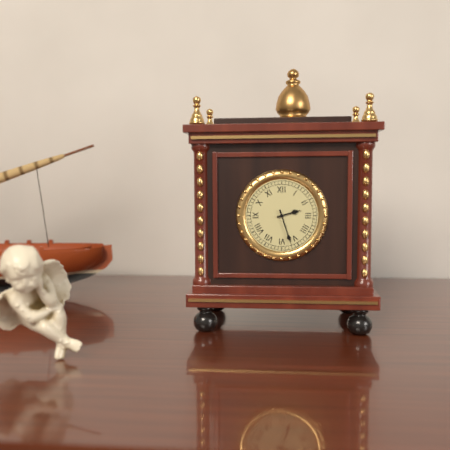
2:27
